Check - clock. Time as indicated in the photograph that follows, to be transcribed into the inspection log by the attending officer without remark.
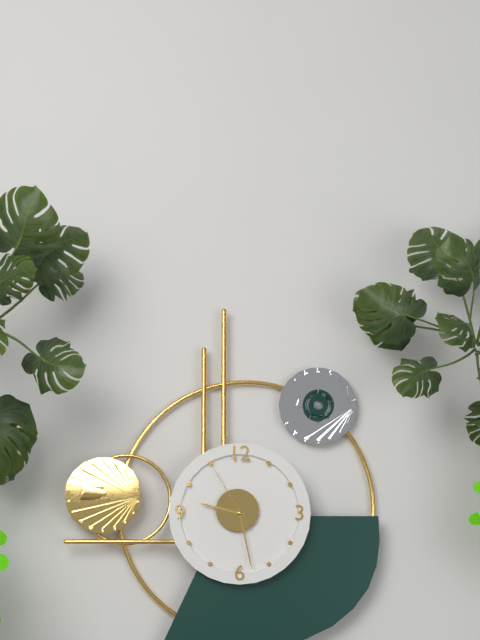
9:28:55
